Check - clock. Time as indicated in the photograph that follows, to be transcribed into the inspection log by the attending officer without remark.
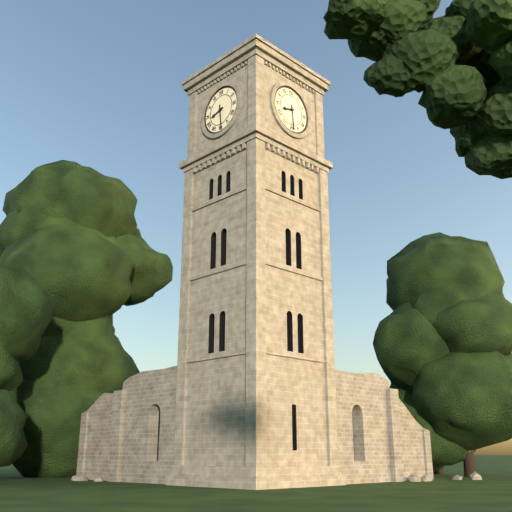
8:29
